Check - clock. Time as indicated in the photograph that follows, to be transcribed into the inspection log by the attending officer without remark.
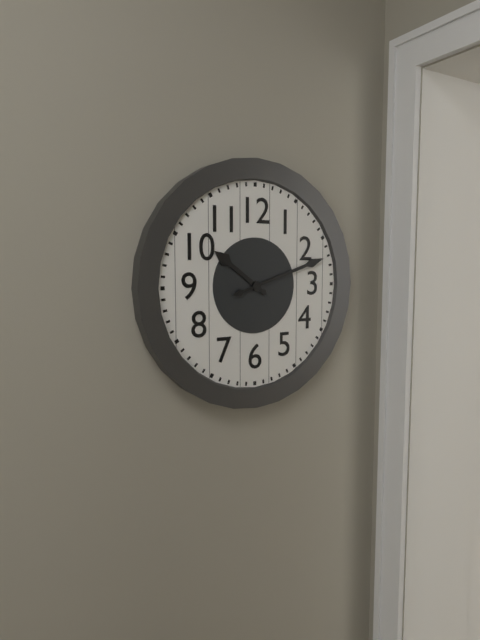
10:12
